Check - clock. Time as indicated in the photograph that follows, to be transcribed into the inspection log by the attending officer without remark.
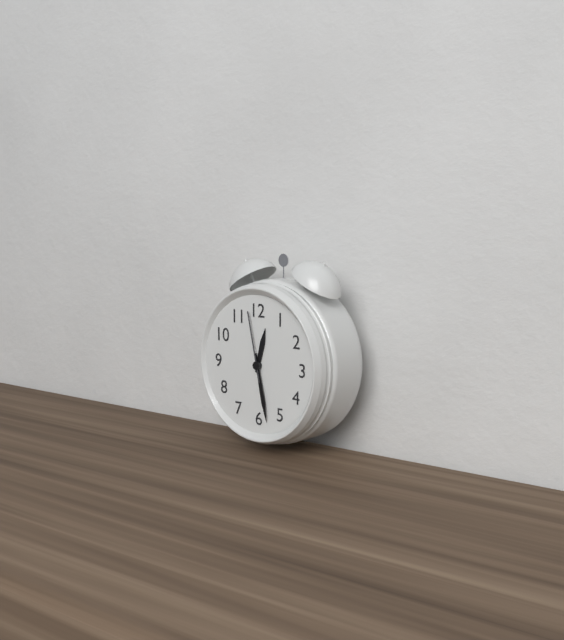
12:28:58
